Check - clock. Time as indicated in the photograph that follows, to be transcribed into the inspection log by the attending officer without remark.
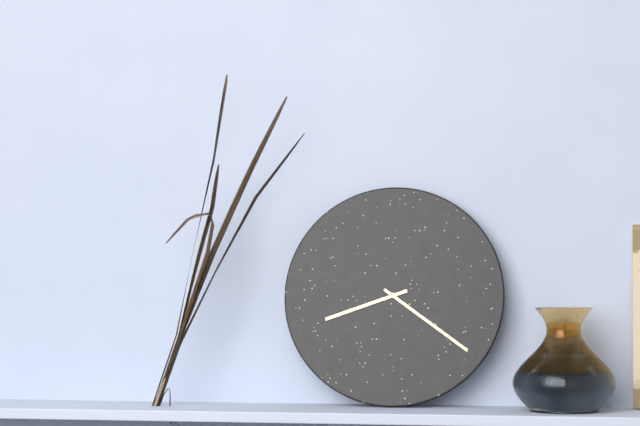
8:21
